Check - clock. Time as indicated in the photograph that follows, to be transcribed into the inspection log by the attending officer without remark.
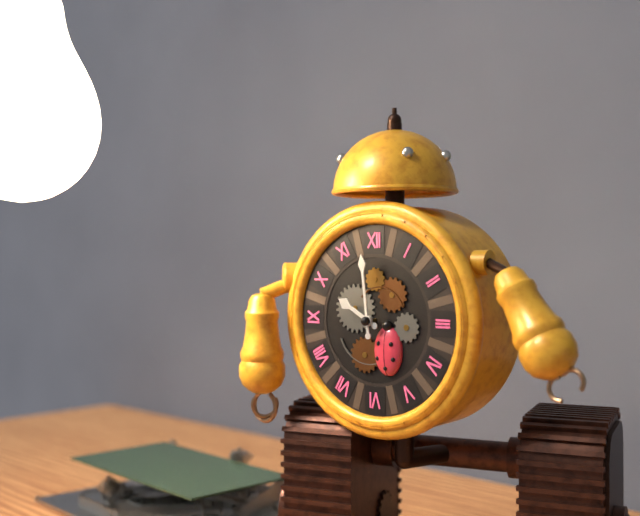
9:59
